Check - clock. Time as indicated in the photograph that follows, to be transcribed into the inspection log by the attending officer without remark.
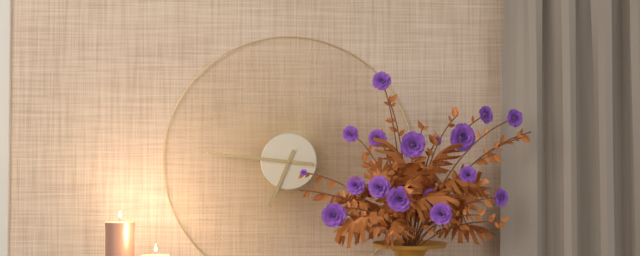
6:46
